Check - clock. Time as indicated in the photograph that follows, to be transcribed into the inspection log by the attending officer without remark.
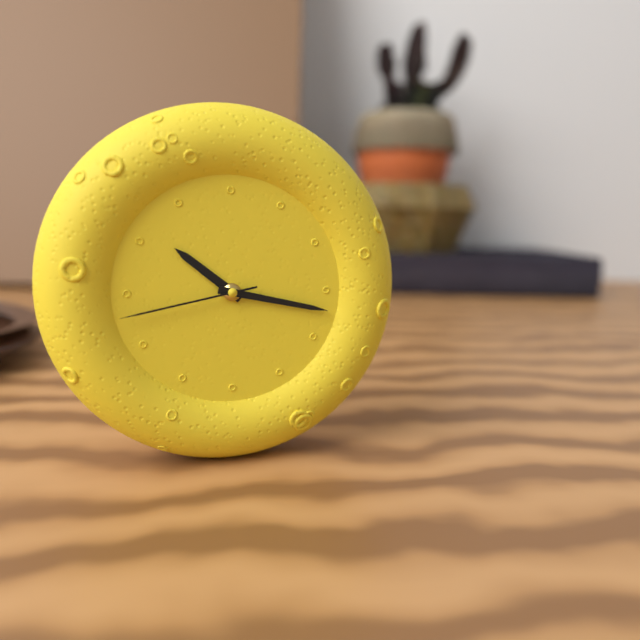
10:17:43
